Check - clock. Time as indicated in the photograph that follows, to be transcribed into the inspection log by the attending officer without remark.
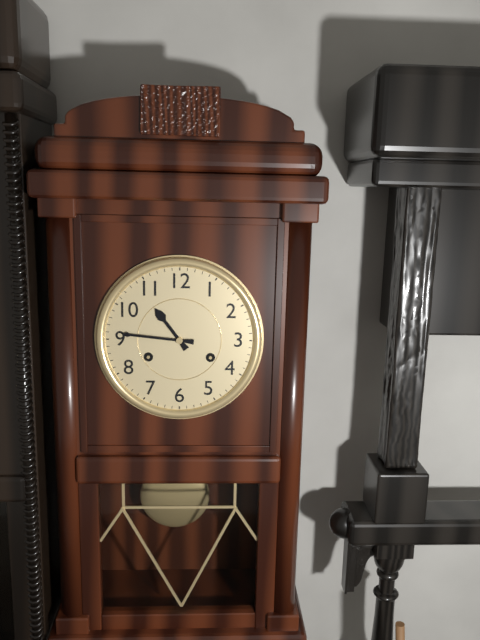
10:46
